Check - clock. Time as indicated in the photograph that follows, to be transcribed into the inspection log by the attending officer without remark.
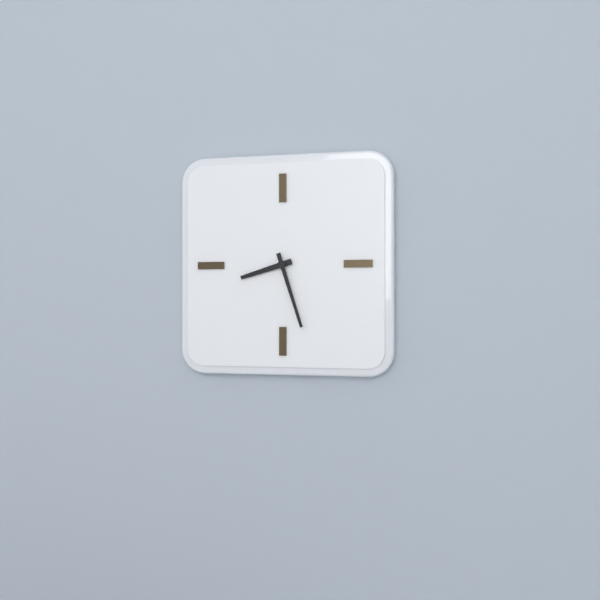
8:27
